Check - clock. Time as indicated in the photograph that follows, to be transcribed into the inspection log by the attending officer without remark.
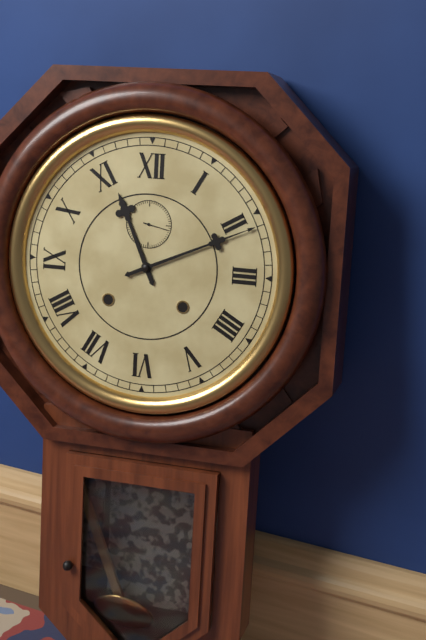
11:11
